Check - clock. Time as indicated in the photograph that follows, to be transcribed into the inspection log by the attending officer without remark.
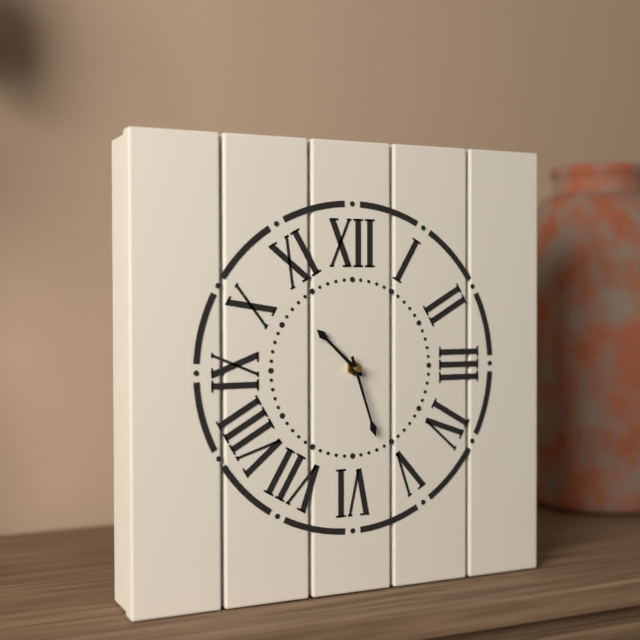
10:27
